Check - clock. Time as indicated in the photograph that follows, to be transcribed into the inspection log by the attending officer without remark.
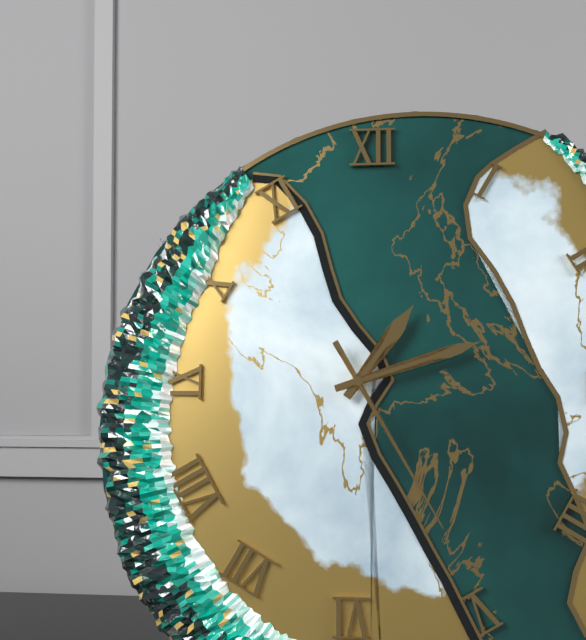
1:12:25
